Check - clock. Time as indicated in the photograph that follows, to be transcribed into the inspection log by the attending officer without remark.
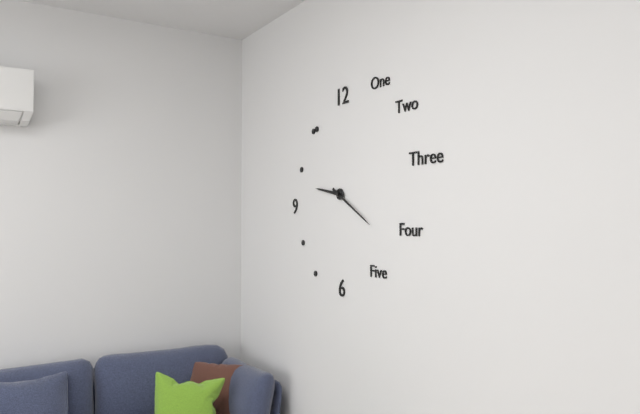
9:20
